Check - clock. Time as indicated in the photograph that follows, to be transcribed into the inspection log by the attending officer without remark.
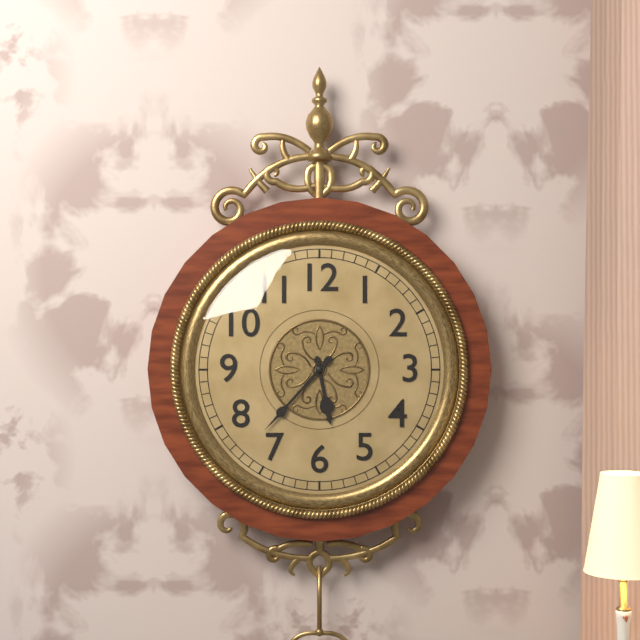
5:37
